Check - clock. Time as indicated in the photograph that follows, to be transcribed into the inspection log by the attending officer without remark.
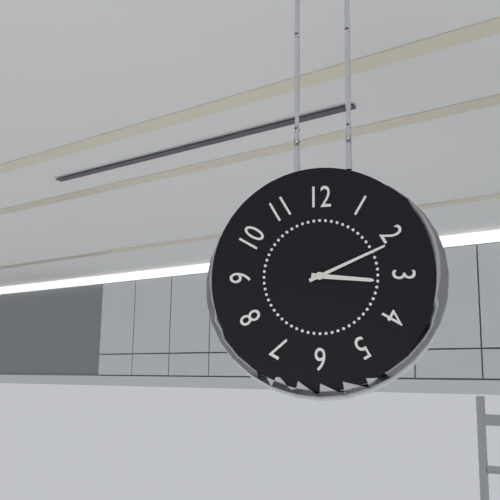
3:11
